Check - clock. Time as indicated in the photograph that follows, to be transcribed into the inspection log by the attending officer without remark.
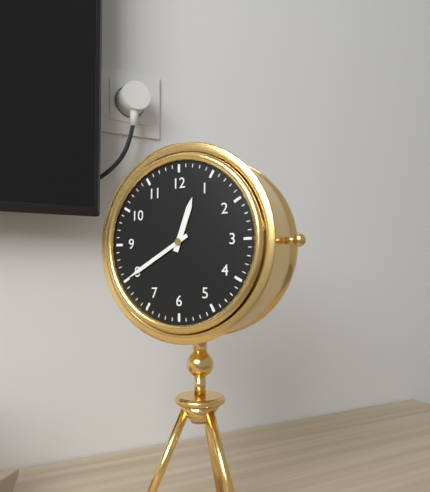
12:40
